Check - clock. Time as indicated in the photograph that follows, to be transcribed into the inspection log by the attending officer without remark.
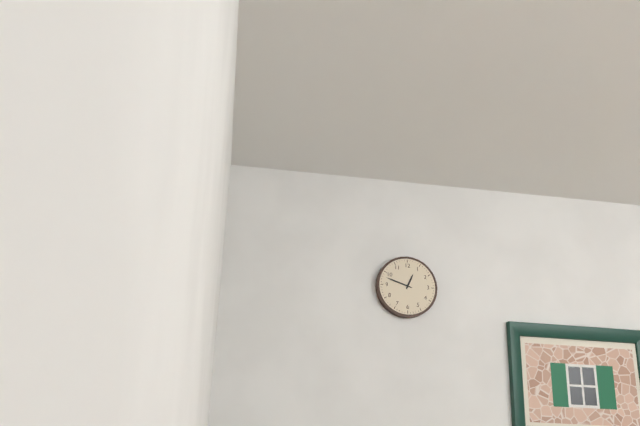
12:48
